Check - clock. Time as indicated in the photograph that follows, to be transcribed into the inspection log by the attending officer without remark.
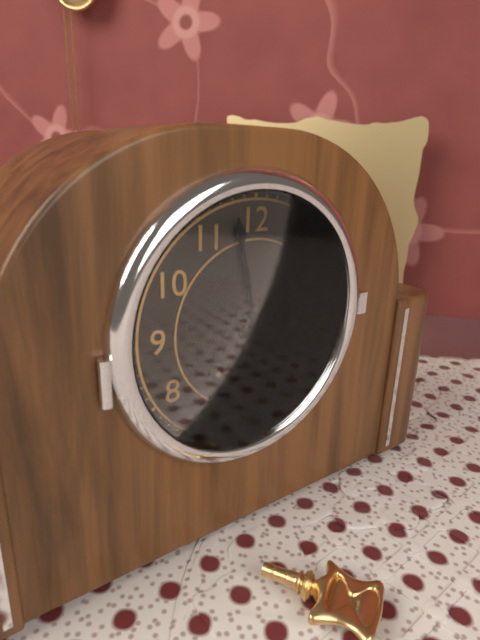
1:58
